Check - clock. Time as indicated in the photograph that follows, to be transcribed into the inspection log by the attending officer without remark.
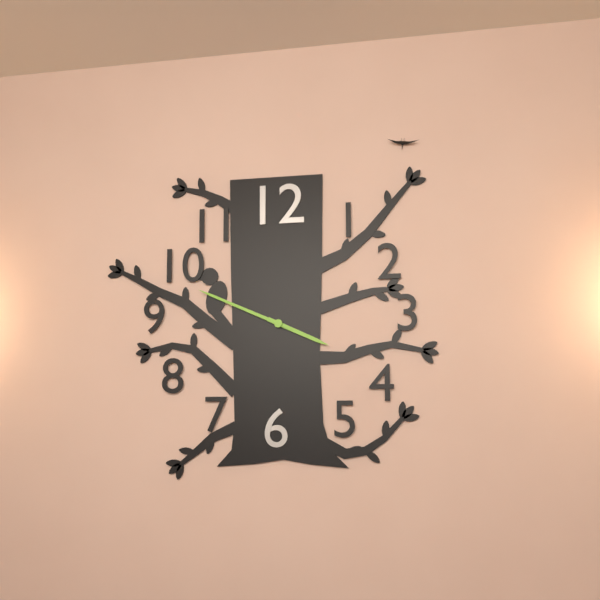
3:49
